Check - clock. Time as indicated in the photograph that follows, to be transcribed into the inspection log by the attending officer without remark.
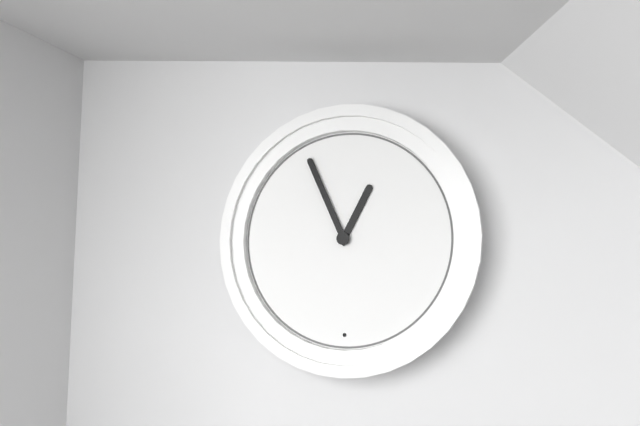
12:56
